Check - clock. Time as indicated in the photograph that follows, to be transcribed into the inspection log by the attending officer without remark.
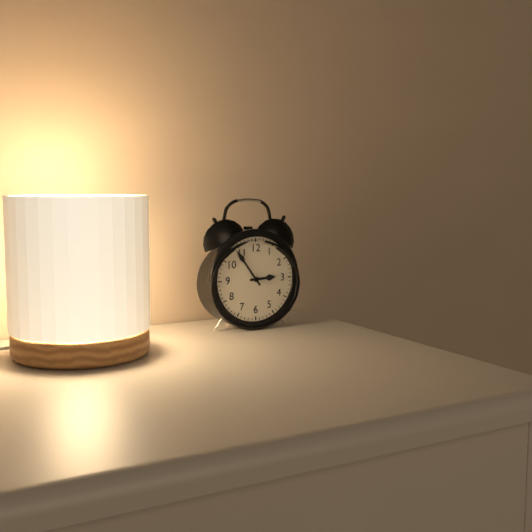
2:54
